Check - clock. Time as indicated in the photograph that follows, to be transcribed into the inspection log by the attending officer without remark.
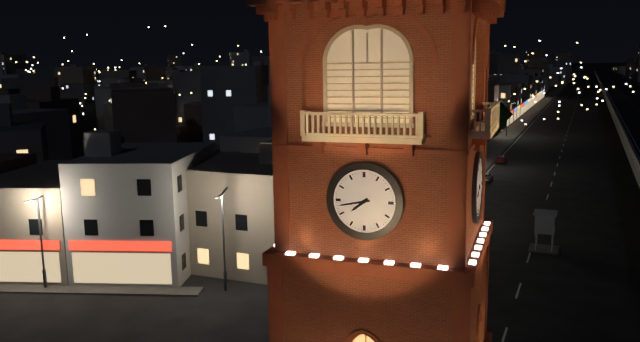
7:43
